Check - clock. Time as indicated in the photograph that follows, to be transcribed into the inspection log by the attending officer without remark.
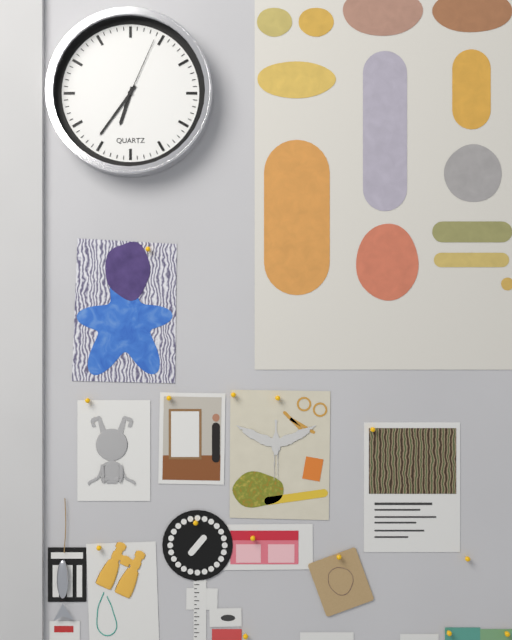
6:36:04
